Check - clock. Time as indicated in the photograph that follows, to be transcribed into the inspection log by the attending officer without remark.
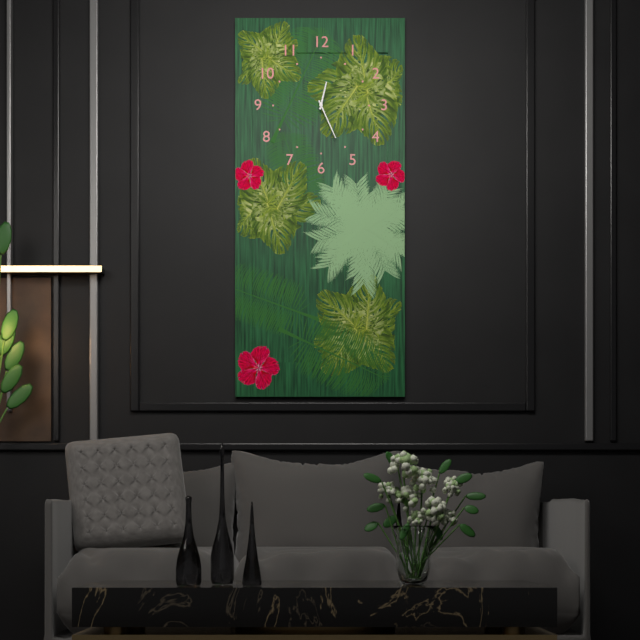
12:26
